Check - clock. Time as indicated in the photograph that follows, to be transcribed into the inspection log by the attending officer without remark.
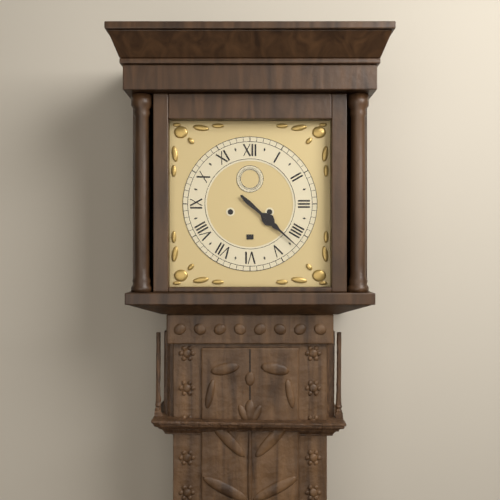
4:22
